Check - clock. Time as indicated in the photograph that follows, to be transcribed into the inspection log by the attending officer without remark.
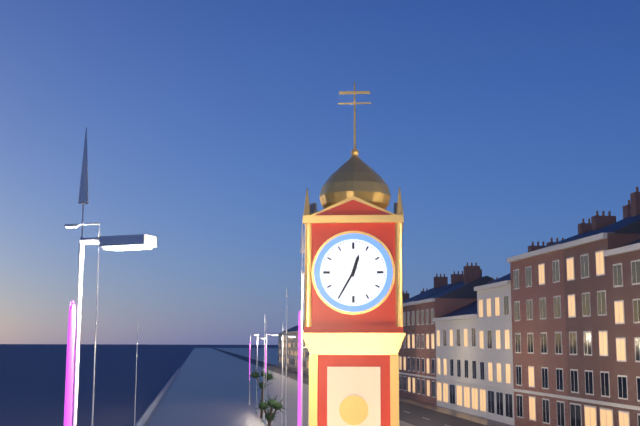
12:35
